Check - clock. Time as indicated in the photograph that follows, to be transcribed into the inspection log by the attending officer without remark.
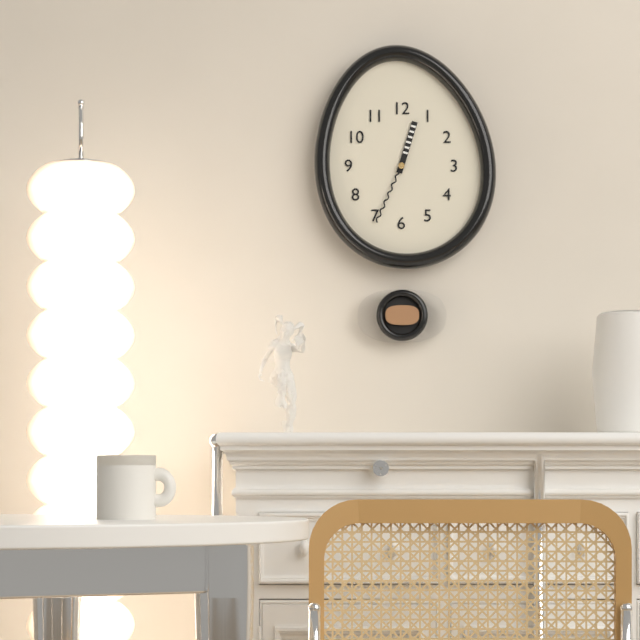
12:34
